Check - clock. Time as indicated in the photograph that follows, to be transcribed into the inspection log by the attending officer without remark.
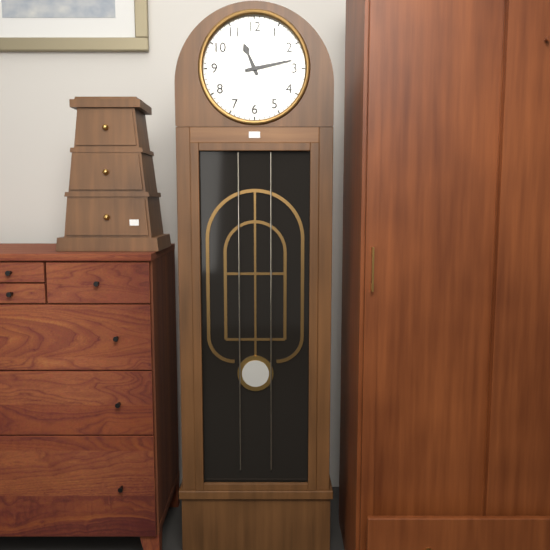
11:13
